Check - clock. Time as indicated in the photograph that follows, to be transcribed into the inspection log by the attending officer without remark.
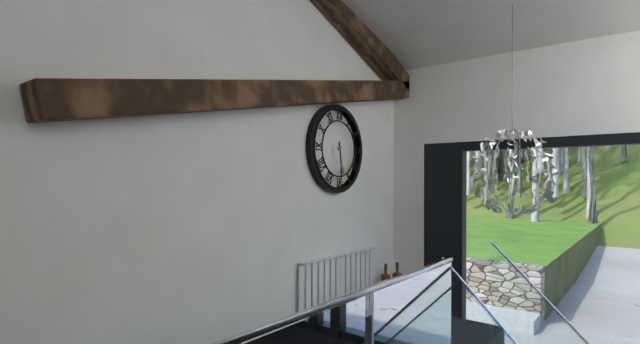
5:29
